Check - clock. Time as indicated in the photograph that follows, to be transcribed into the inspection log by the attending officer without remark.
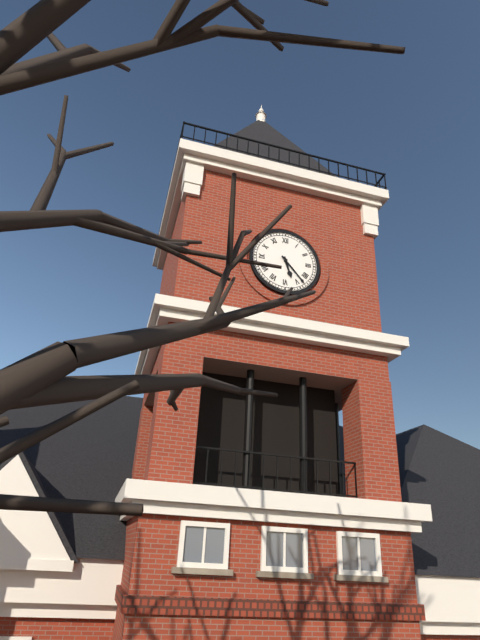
5:23
